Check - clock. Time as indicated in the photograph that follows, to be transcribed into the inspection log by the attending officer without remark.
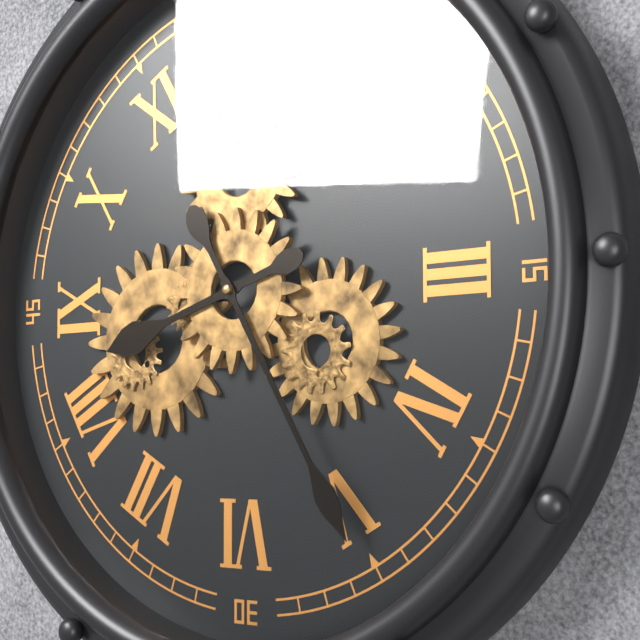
8:25
